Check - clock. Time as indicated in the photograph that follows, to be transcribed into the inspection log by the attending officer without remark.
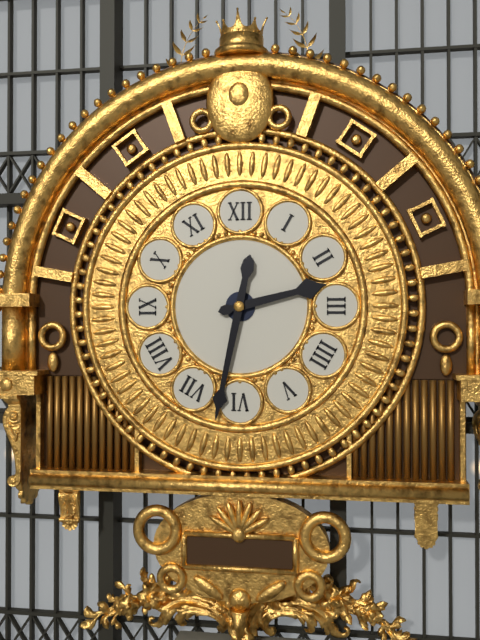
2:32
